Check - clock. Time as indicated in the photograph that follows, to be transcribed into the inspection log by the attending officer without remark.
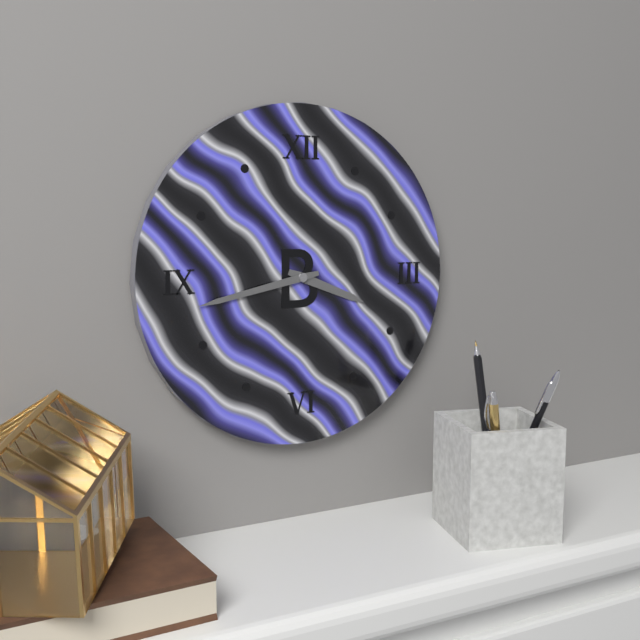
3:43
